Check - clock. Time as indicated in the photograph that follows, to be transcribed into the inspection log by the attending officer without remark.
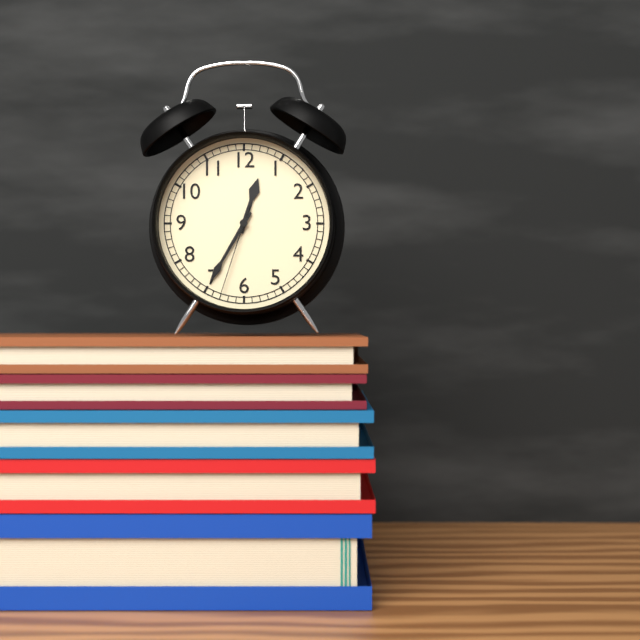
12:35:33
